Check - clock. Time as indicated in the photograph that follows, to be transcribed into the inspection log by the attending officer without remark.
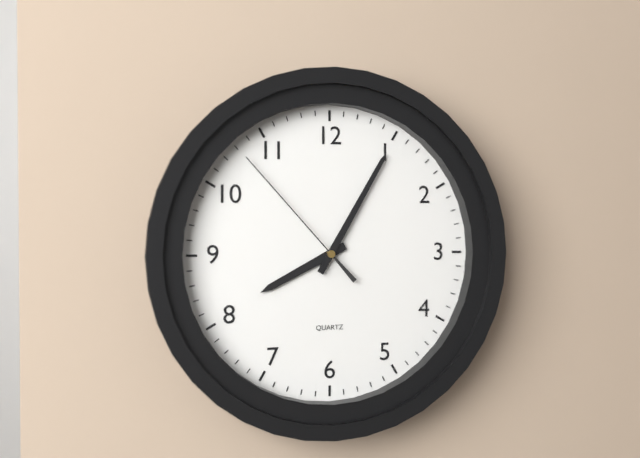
8:05:53
